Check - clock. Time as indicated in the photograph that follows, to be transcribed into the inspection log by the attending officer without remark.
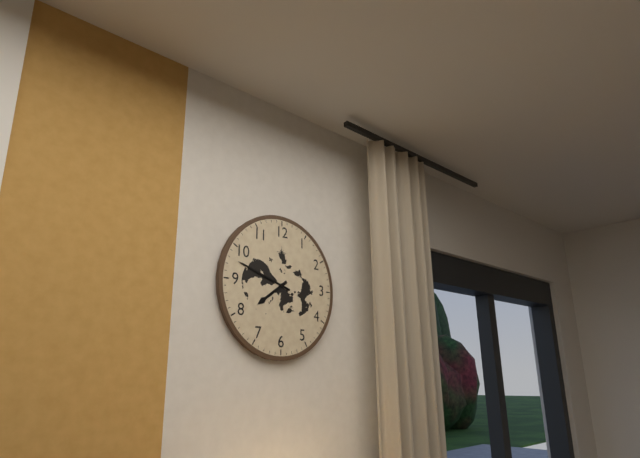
7:48
